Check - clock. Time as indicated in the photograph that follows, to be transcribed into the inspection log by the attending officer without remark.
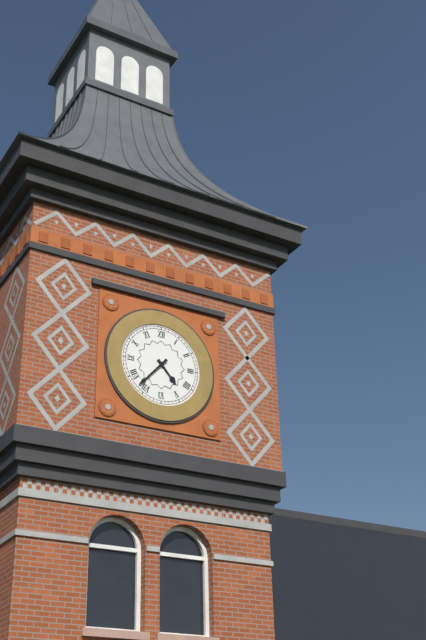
4:37
